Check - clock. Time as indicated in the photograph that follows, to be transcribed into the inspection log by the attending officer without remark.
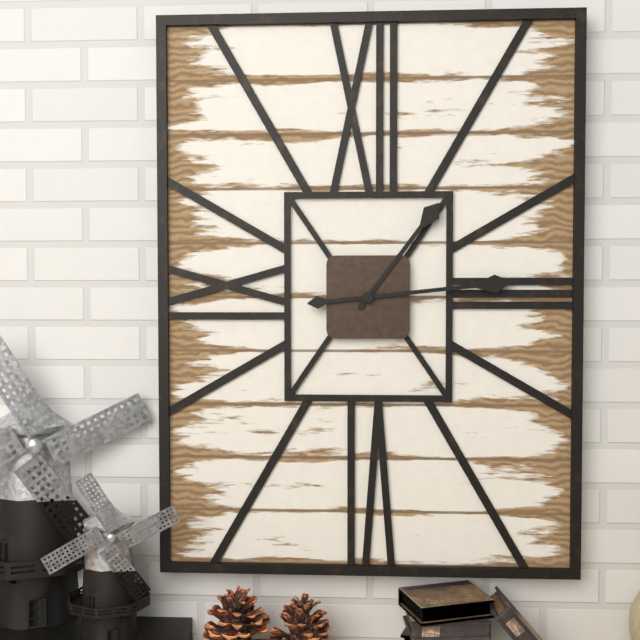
1:14
